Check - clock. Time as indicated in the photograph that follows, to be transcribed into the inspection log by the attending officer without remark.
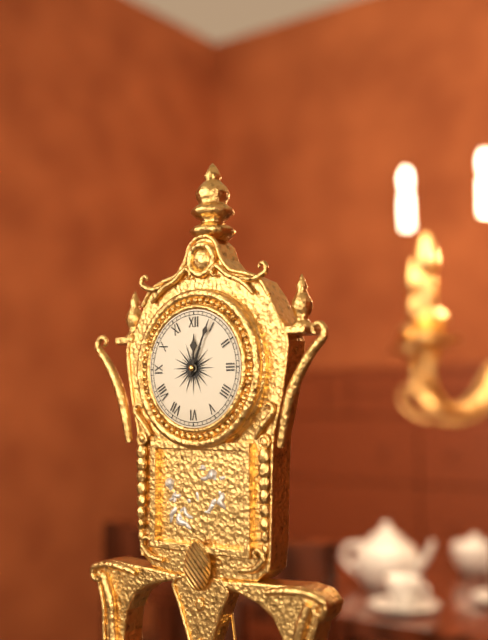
12:04
